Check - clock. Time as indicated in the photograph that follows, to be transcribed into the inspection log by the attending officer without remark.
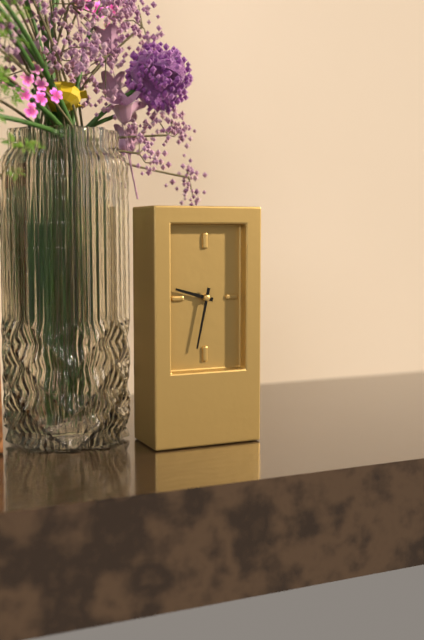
9:32
